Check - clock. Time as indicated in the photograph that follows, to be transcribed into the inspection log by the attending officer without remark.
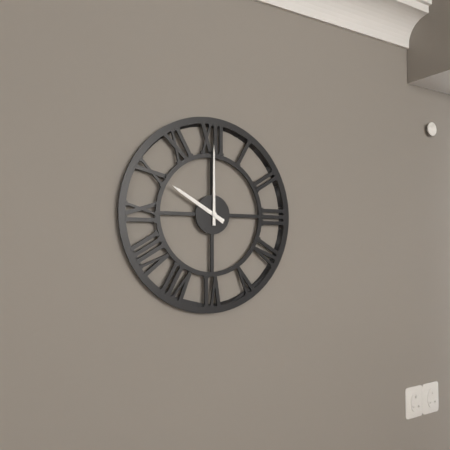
10:00
